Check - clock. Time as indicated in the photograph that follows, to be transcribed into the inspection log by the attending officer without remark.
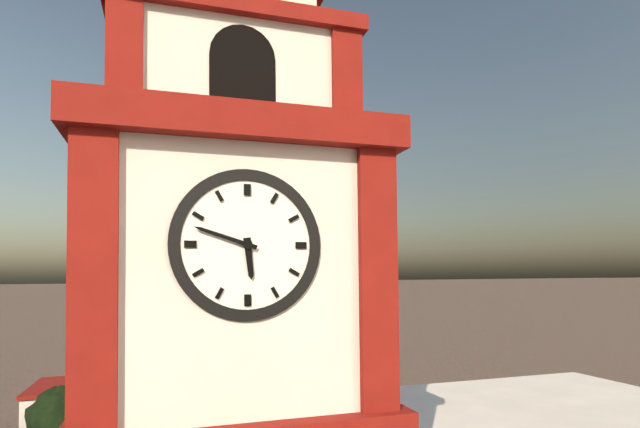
5:48
